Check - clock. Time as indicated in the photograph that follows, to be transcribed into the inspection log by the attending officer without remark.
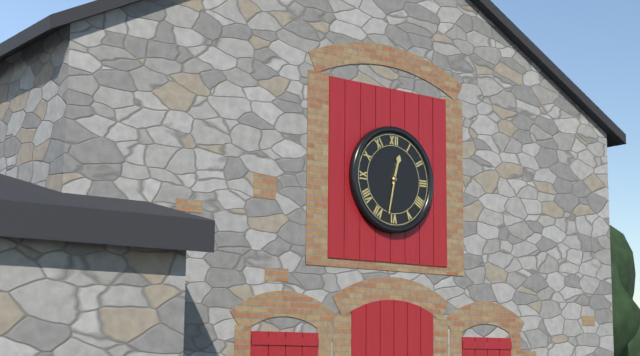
12:32
